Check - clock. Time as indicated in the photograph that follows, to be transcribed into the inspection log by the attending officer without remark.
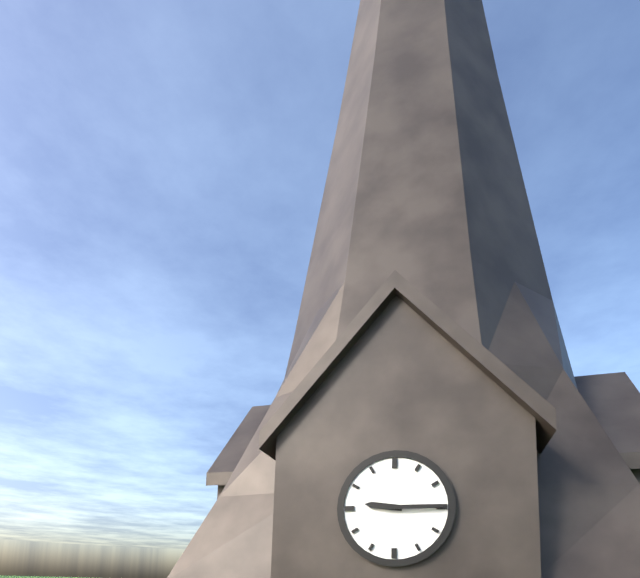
9:15
